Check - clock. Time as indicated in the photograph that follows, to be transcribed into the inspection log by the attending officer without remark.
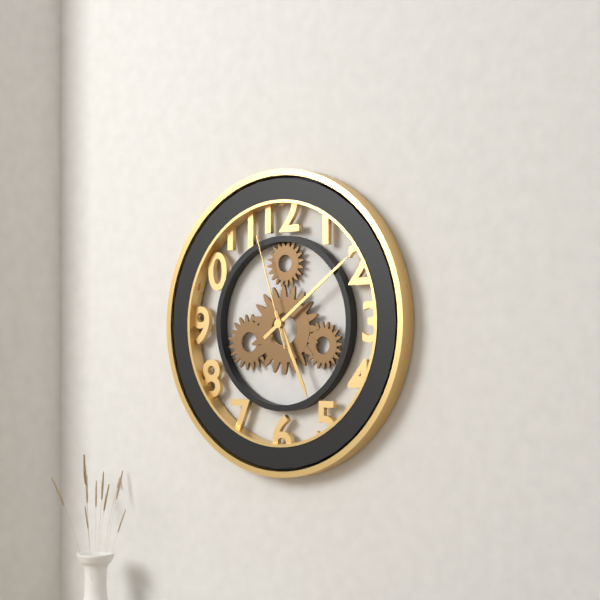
5:09:57
